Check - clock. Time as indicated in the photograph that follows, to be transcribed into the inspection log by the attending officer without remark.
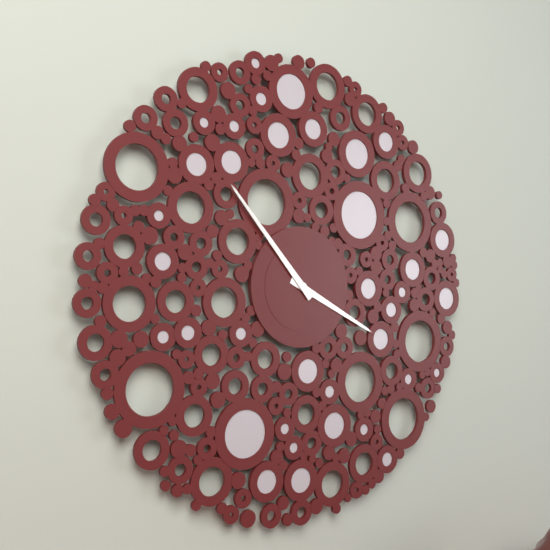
3:53
